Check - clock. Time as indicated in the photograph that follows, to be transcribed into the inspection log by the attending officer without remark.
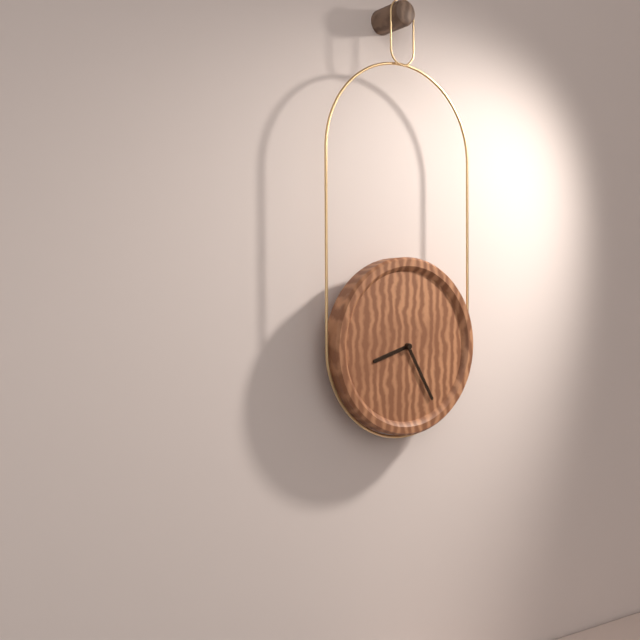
8:25
